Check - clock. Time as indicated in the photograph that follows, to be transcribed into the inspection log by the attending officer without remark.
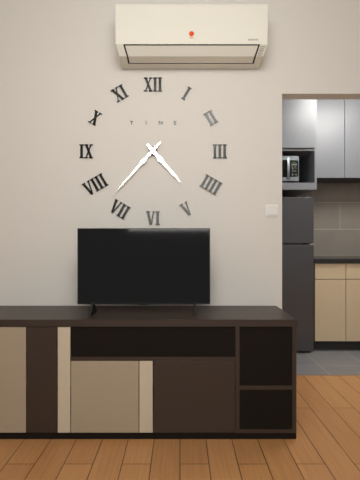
4:37
